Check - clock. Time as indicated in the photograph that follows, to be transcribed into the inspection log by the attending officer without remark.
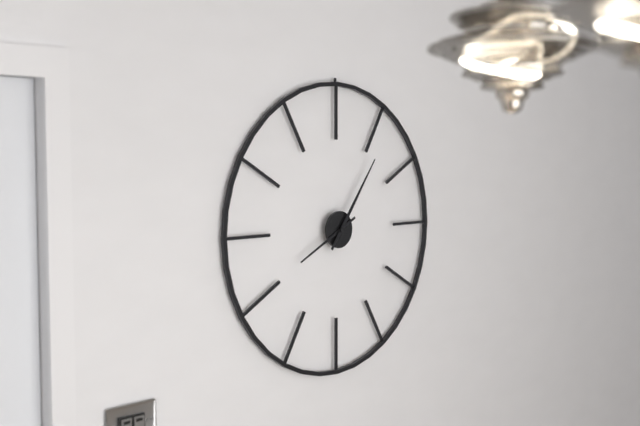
8:06
